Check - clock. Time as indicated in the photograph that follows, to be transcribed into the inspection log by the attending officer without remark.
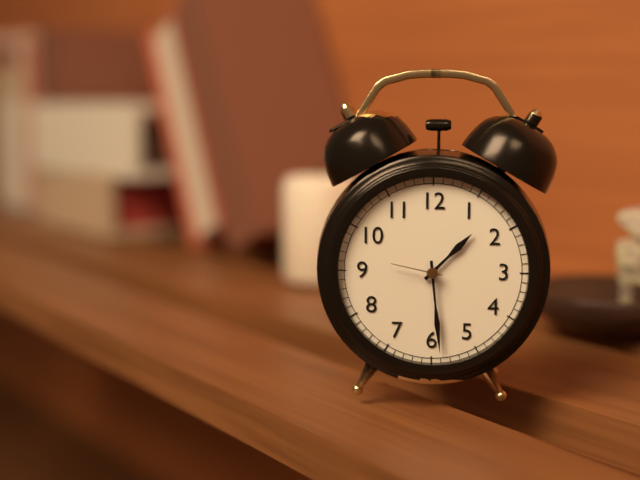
1:29:47
